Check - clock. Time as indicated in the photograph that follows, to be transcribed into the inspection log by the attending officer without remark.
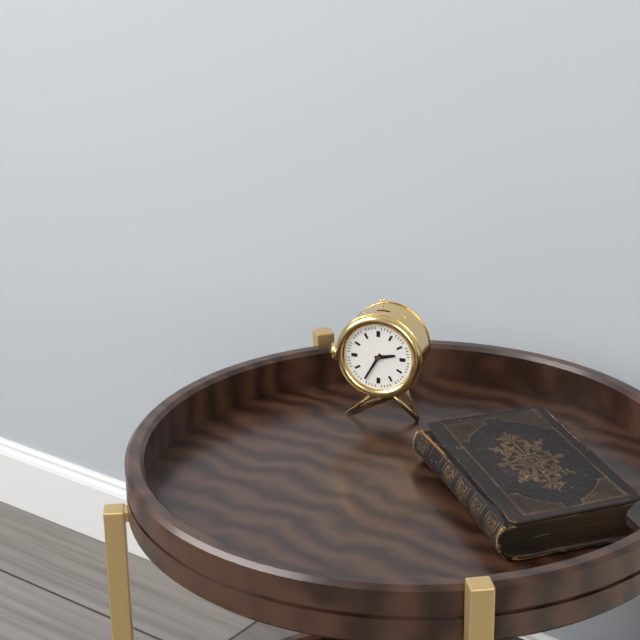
2:35
